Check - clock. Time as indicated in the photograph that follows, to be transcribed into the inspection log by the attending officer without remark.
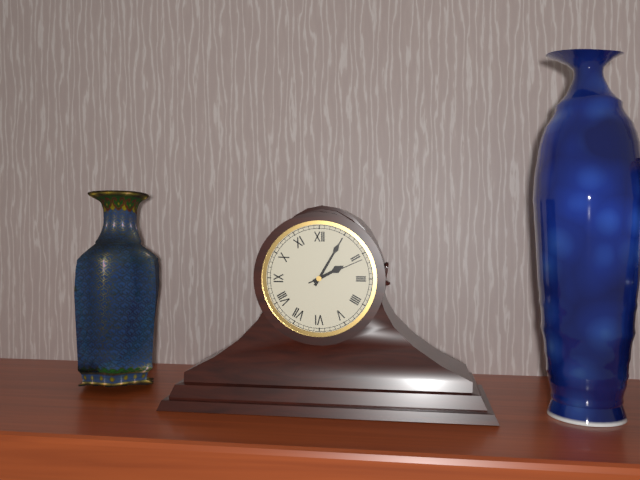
2:05:11
